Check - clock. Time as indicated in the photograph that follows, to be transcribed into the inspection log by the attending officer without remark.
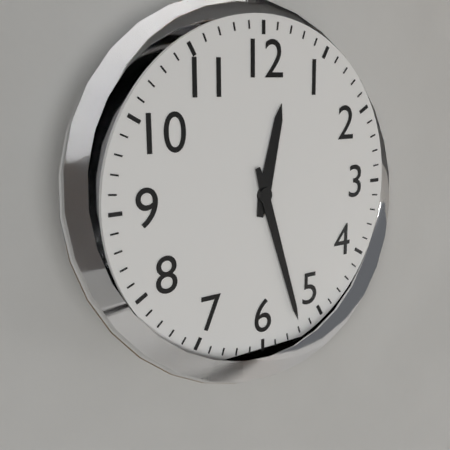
12:27
